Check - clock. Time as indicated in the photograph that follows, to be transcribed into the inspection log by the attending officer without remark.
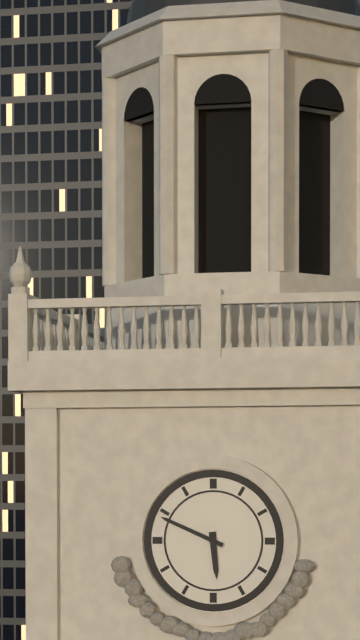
5:49
